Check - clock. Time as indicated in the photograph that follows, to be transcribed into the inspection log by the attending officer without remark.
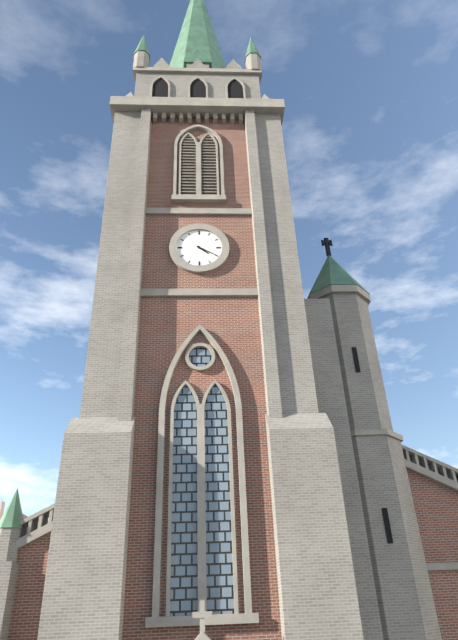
4:20
